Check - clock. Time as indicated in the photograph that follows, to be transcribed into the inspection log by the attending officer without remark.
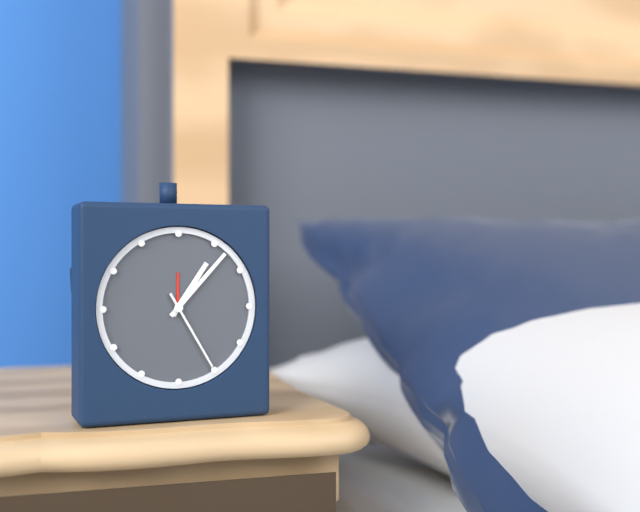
1:07:25
